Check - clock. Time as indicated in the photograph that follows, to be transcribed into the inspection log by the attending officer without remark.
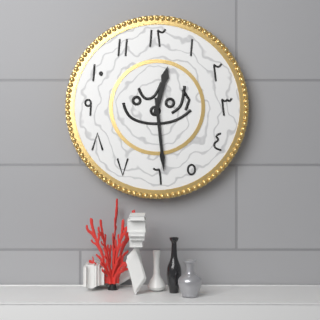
12:29
